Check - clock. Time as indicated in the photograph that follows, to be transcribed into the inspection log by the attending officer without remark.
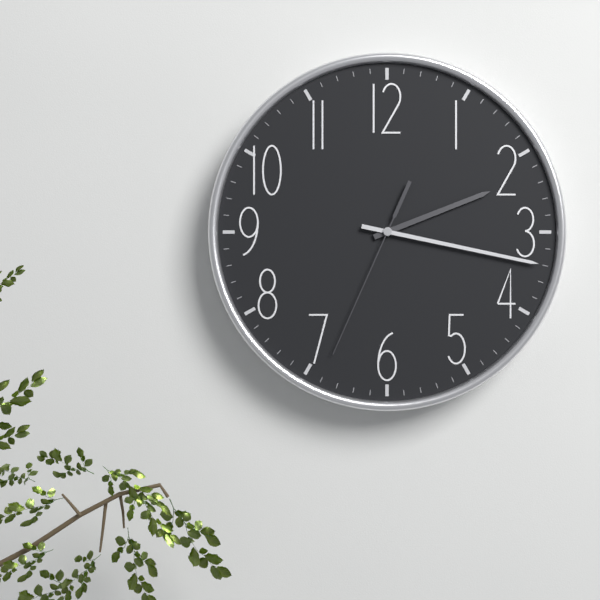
2:17:34
